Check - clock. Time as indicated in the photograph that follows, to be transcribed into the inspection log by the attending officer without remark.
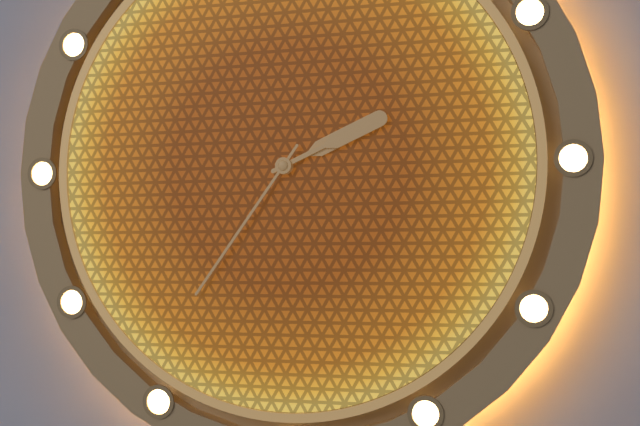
2:11:36
